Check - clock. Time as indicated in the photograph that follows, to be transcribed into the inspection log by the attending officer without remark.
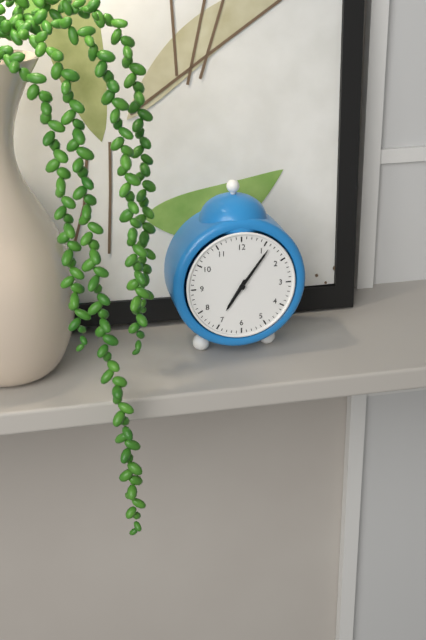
7:06
